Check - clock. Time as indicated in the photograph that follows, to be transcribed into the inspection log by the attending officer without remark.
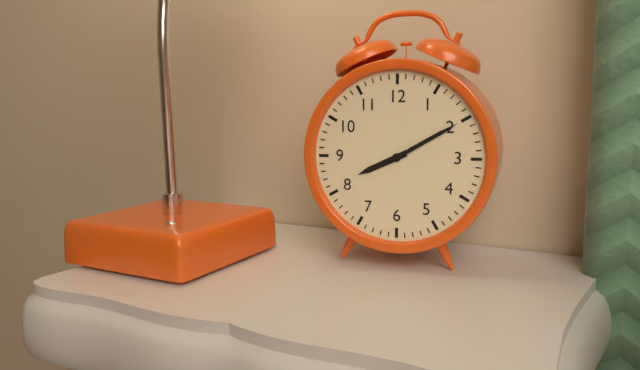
8:10
